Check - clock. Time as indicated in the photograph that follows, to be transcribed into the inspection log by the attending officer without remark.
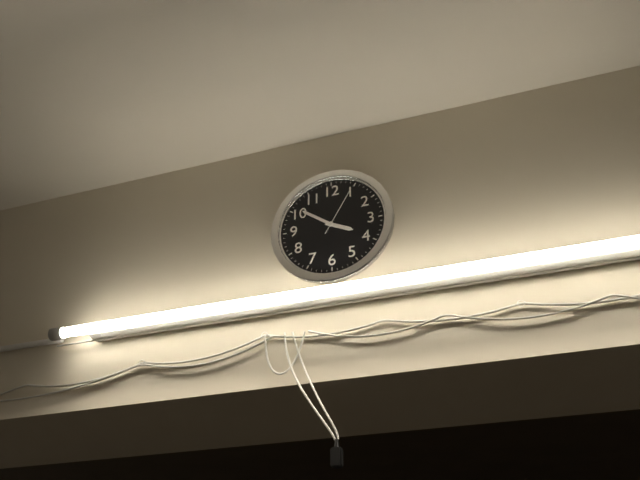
3:51:05
